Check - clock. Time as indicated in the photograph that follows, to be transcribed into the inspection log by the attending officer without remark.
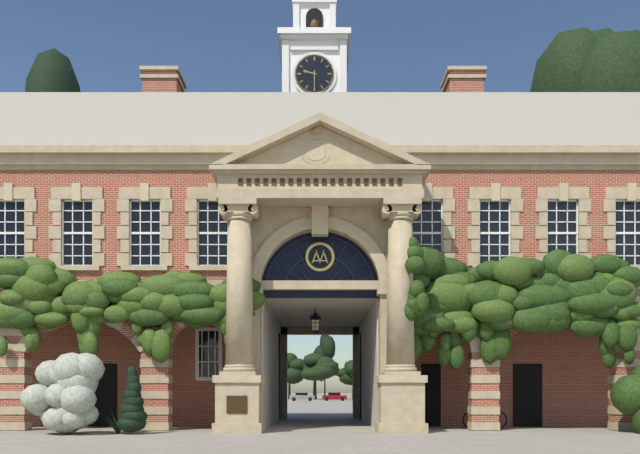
9:30
